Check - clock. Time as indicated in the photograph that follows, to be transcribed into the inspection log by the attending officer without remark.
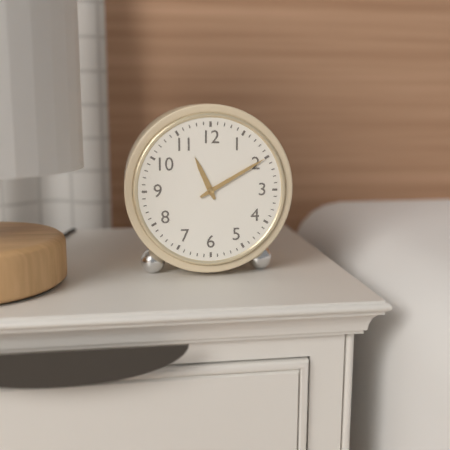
11:10
